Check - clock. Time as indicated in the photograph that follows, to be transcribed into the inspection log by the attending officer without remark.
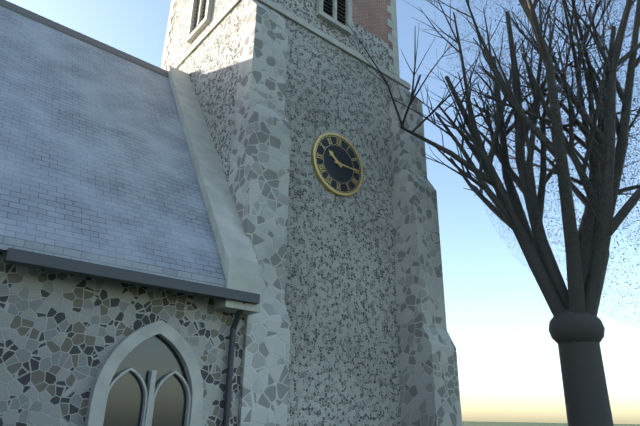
10:15
